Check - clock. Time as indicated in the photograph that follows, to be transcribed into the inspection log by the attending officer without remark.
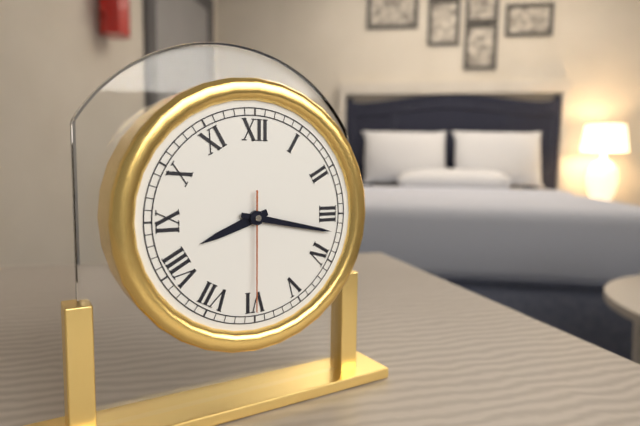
8:17:30
